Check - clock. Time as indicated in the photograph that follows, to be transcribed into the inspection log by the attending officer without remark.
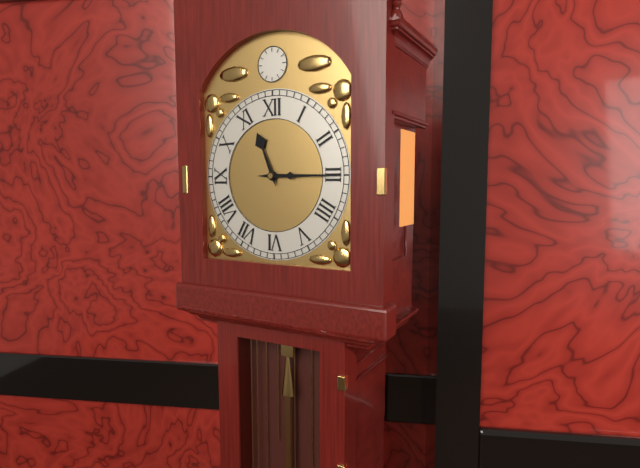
11:15
